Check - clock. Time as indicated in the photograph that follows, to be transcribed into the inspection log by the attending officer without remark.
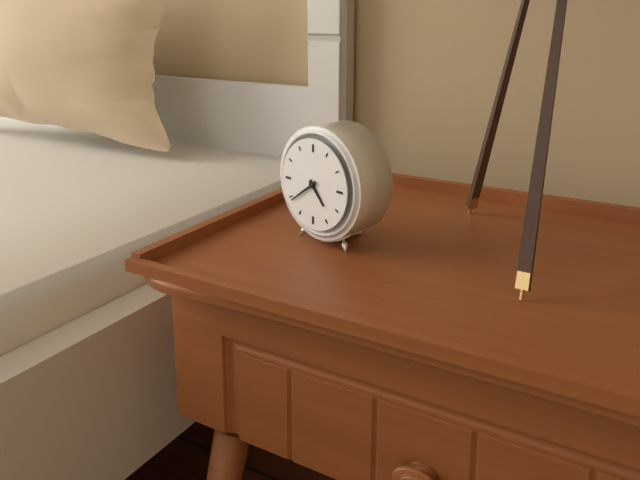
4:39
